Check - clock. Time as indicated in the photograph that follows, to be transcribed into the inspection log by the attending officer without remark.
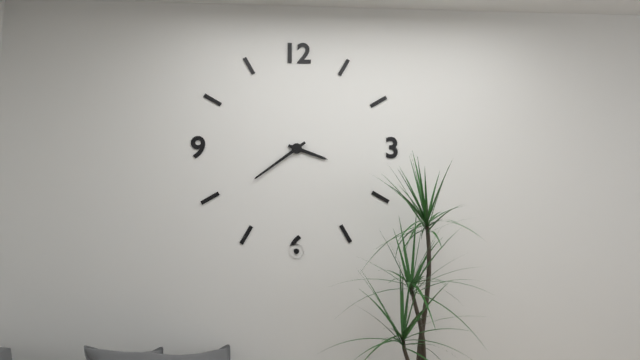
3:39
